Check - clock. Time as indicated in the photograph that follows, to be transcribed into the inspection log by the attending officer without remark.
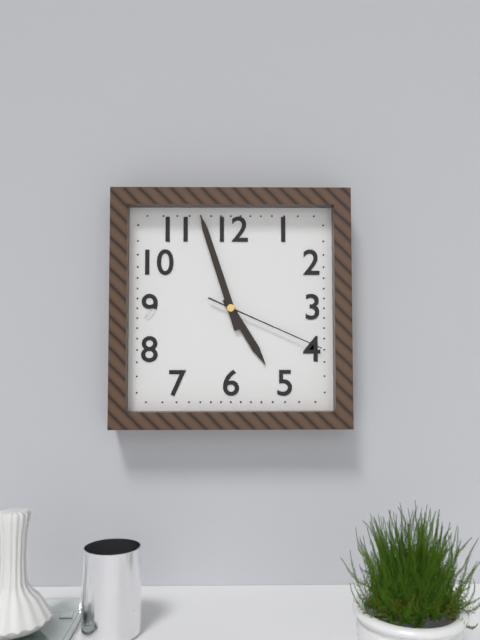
4:57:19
